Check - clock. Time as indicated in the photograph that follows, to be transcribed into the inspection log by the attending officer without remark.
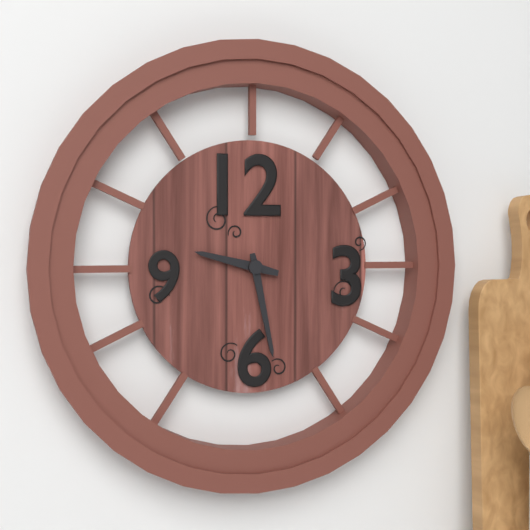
9:28
